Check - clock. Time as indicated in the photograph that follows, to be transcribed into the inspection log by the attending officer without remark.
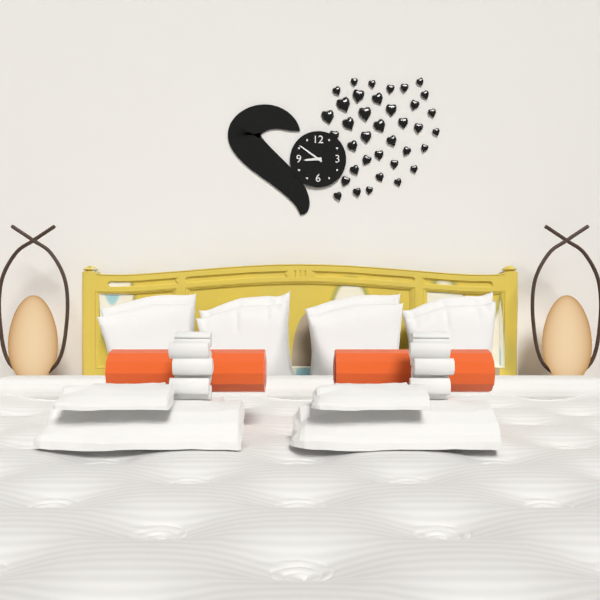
8:51
